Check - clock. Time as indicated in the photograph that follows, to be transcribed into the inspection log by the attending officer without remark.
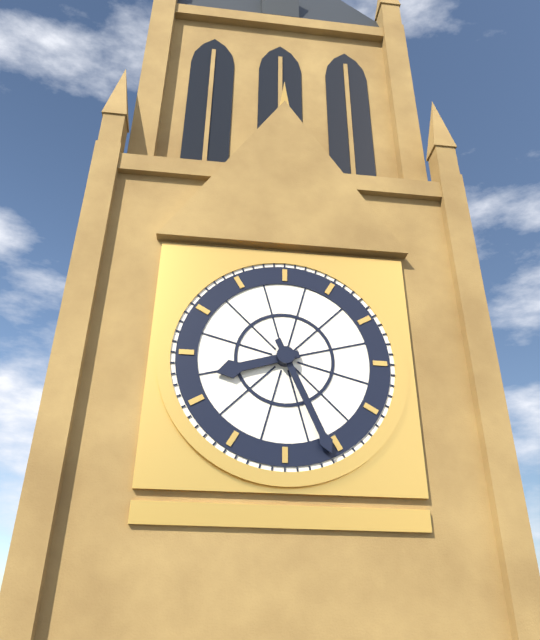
8:26
